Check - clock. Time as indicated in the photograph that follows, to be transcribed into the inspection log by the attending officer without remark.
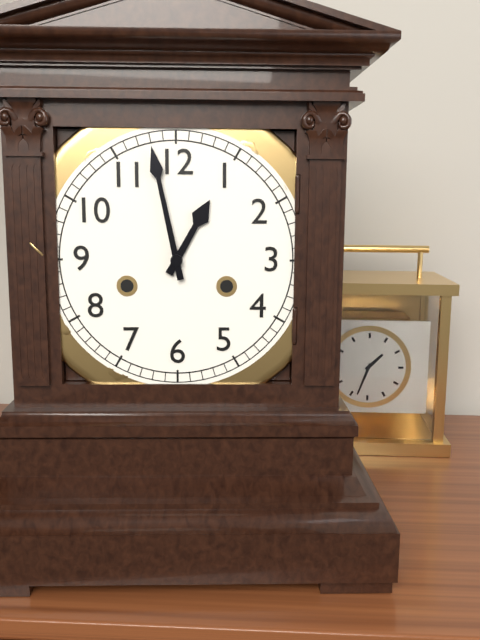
12:58
